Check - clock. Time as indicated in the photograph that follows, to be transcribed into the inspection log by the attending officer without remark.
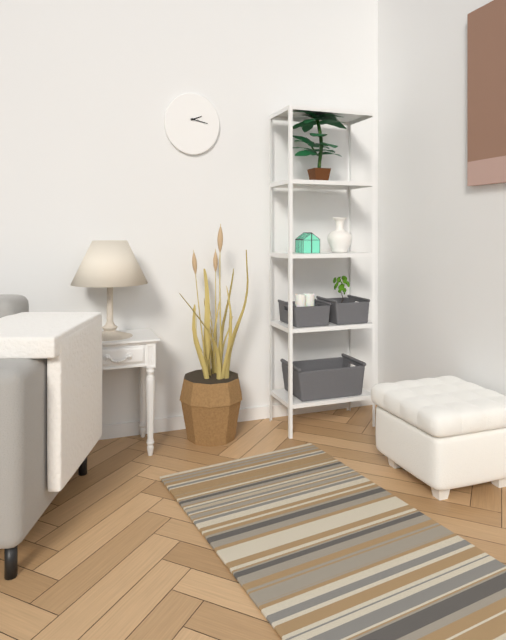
2:17
